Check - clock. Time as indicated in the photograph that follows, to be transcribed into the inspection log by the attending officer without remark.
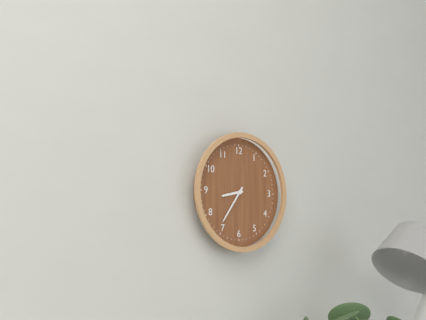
8:36
